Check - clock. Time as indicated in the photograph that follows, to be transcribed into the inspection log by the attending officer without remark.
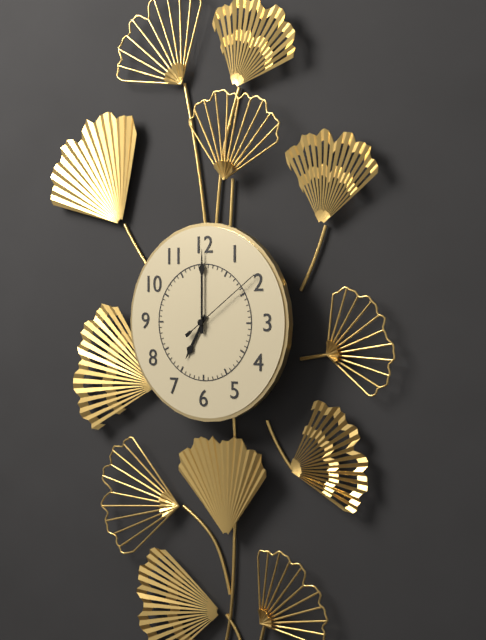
7:00:09
